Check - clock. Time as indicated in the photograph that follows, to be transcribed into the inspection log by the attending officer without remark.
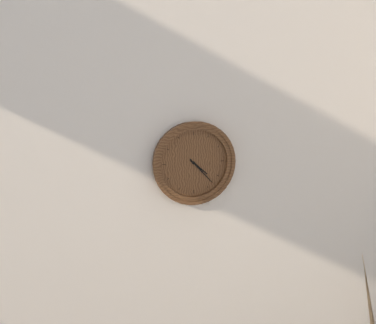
4:23
